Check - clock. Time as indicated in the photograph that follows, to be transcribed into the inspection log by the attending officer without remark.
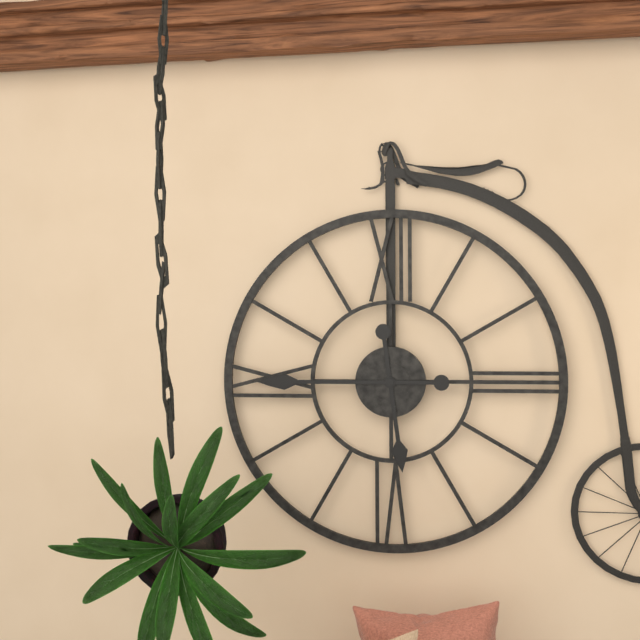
5:45
